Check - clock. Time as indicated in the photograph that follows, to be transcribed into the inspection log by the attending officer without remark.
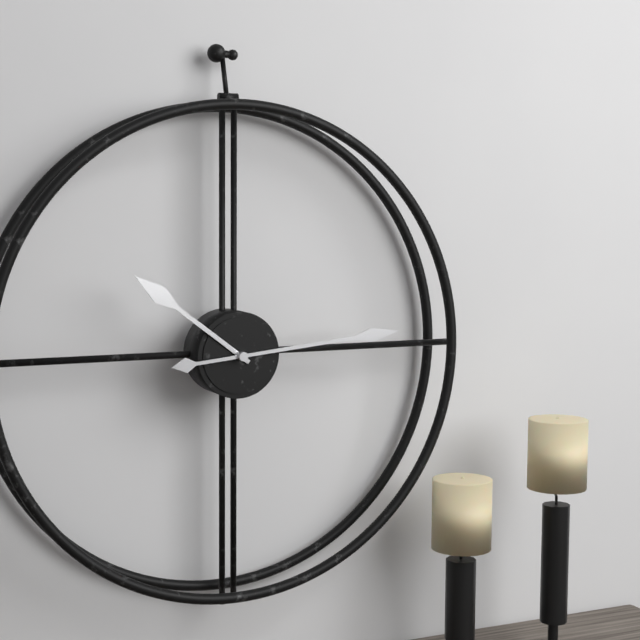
10:14
